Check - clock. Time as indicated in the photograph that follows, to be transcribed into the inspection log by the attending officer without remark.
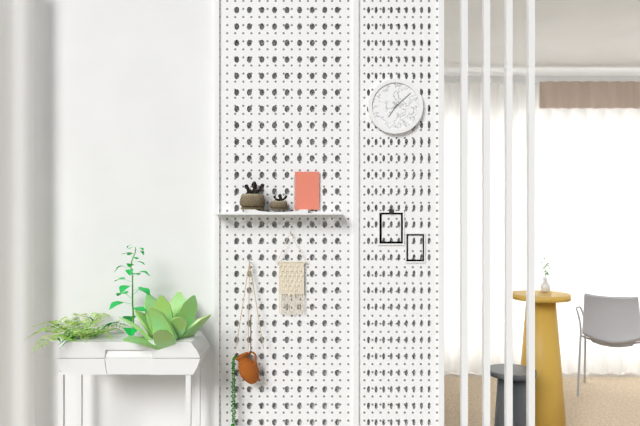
7:08
